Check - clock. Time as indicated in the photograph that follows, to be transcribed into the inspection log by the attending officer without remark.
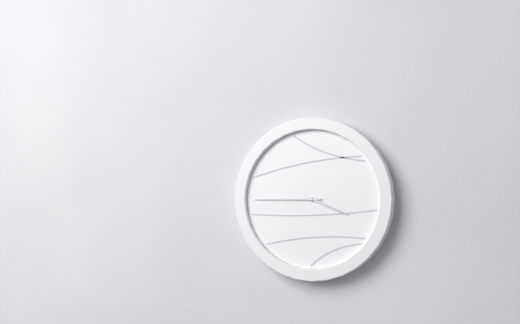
3:45
